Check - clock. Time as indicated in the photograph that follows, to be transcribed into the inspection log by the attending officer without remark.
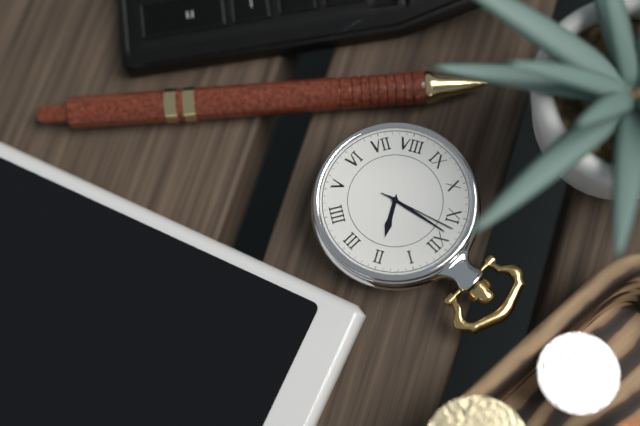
1:58:57
